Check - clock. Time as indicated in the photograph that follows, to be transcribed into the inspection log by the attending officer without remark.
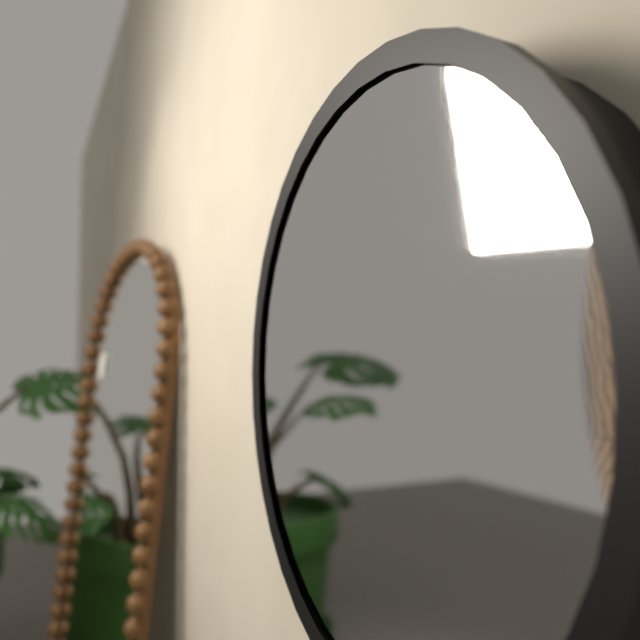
10:10
